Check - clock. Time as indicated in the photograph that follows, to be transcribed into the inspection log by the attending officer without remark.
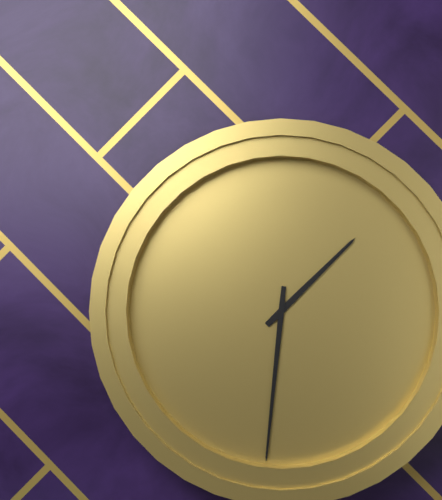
1:31
